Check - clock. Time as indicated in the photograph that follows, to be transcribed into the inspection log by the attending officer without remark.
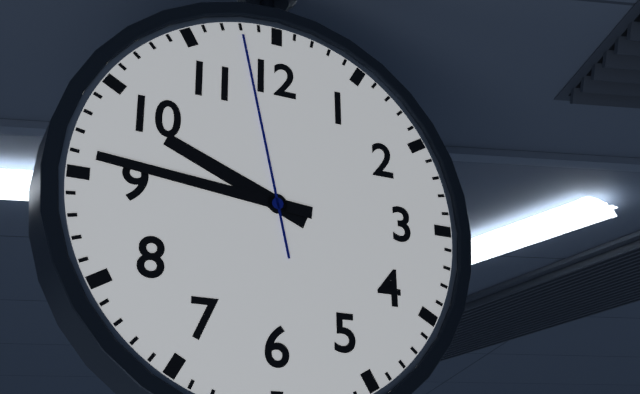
9:46:58
